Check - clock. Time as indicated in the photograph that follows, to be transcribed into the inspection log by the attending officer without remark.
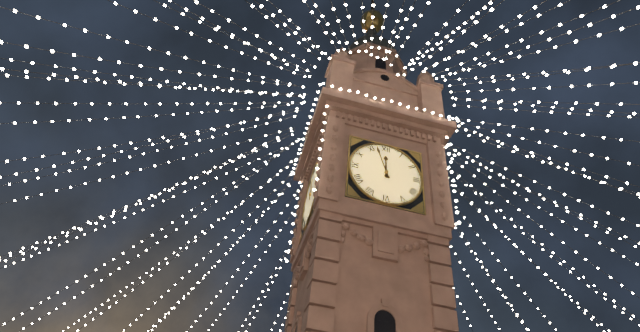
11:57
